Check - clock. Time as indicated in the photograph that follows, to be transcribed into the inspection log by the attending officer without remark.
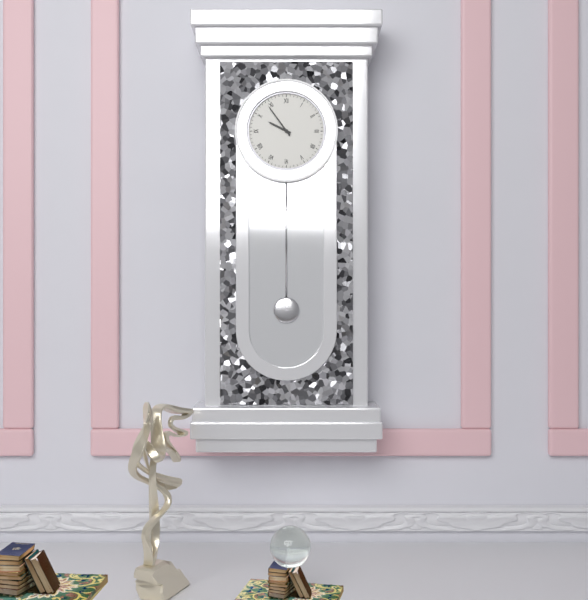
9:54
